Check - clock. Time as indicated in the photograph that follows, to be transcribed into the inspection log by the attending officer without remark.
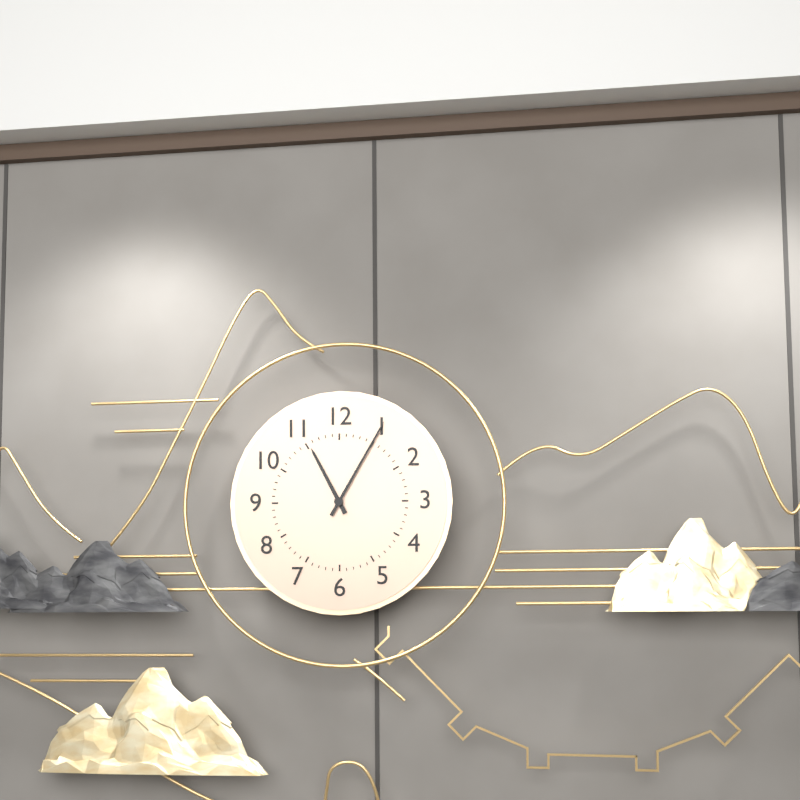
11:05
